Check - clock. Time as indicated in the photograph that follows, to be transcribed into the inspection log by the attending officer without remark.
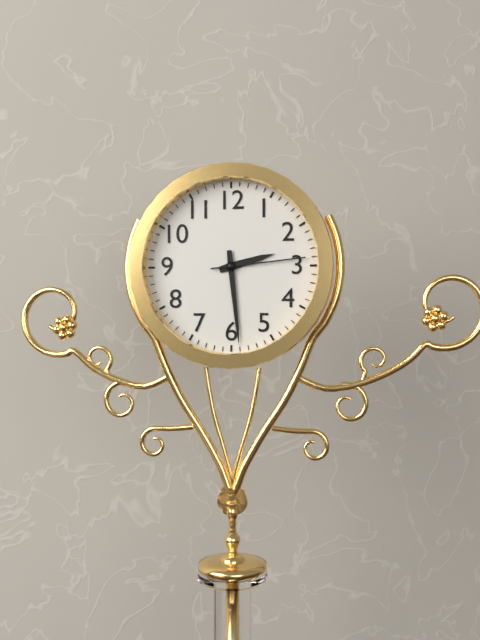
2:29:14
